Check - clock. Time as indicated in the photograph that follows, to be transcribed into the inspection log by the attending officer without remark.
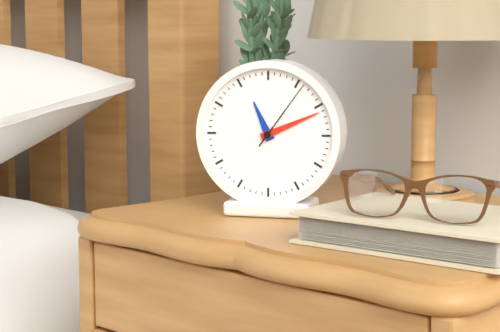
11:11:06
